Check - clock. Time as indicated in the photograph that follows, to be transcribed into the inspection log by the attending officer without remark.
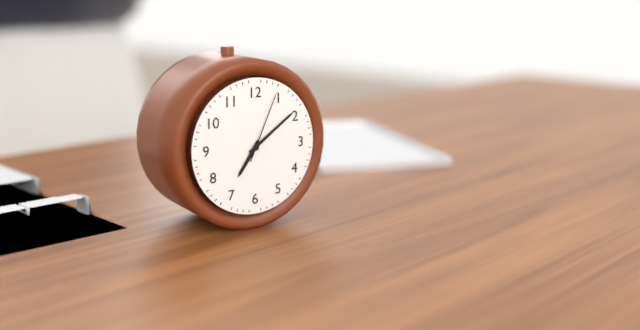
7:09:04
